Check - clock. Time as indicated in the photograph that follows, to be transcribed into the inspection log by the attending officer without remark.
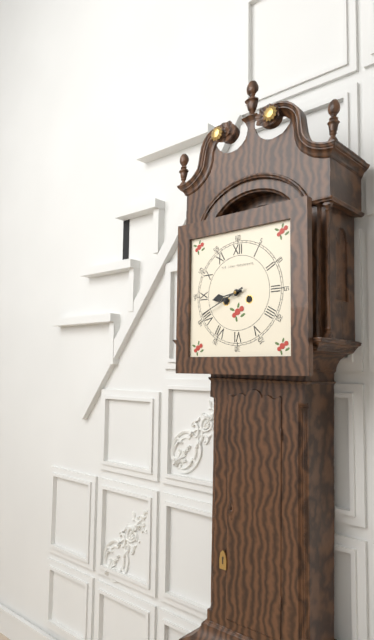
8:41
